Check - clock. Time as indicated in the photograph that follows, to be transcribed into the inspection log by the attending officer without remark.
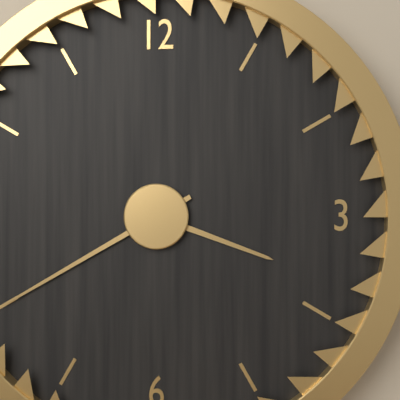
3:40
